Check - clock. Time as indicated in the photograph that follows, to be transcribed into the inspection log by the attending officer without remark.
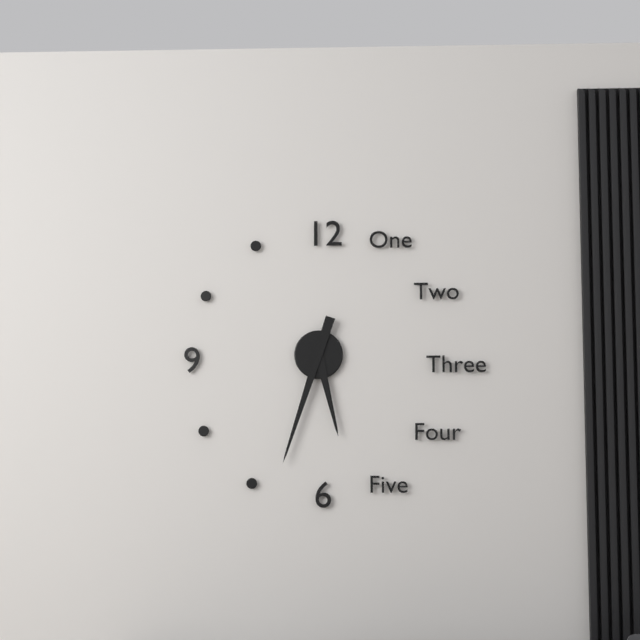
5:33
